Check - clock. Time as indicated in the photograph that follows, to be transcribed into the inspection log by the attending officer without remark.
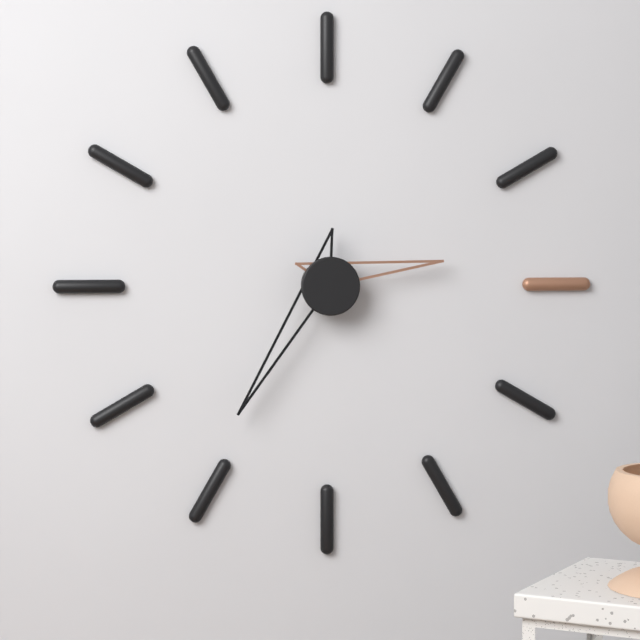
2:36
